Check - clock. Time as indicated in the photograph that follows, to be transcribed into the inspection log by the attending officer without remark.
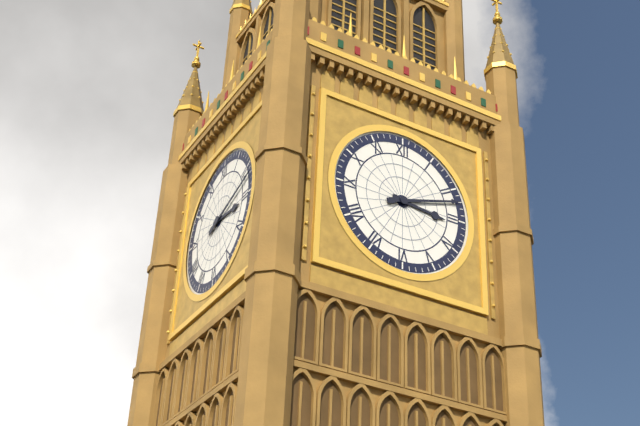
3:12
